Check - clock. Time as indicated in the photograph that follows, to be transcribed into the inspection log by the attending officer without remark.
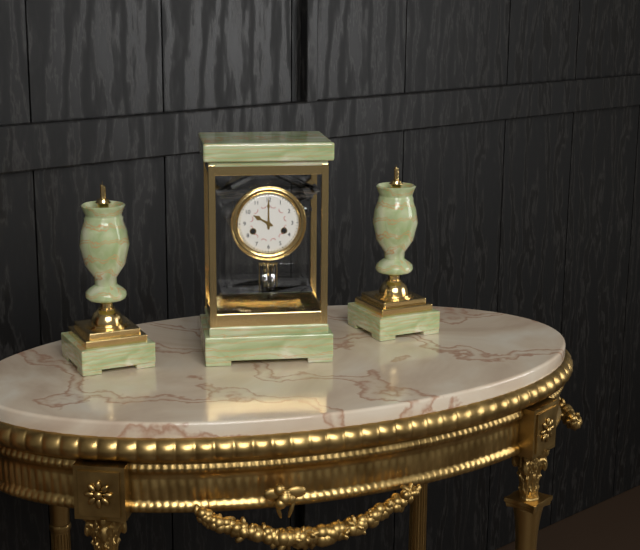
10:00
